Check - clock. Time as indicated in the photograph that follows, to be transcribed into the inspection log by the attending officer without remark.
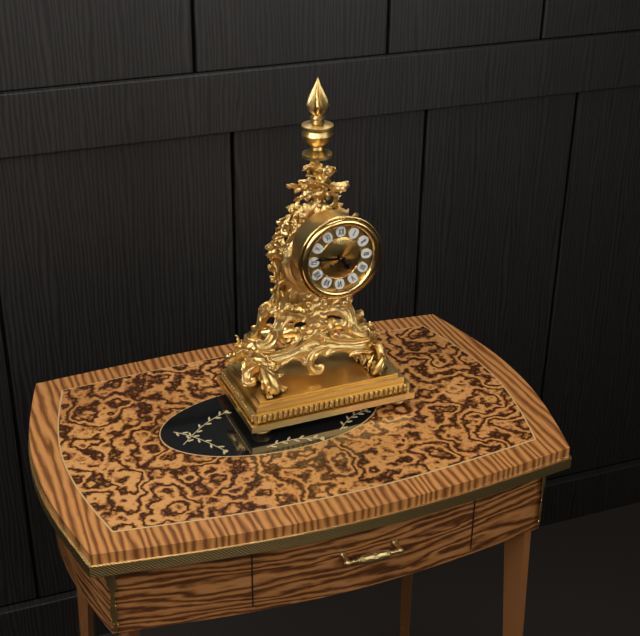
4:46
